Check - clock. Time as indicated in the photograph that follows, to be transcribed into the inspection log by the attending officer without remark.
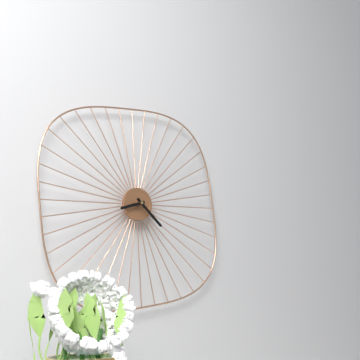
8:22
